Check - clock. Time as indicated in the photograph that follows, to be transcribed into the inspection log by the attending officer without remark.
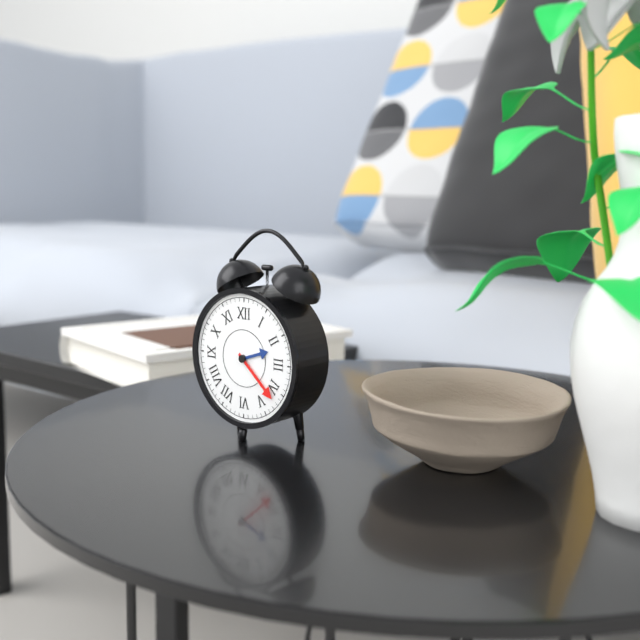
2:22
